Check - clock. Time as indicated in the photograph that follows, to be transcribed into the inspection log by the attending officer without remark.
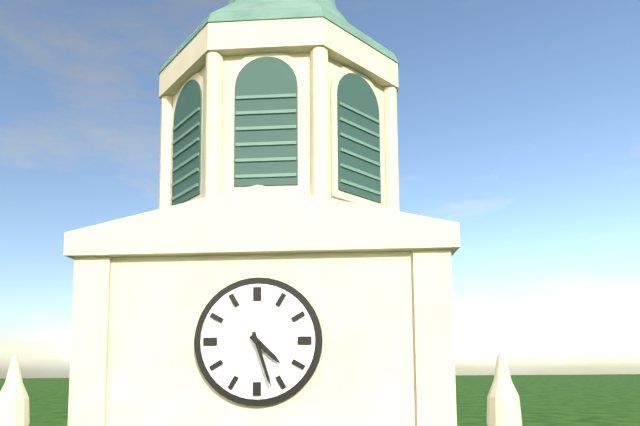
4:27
